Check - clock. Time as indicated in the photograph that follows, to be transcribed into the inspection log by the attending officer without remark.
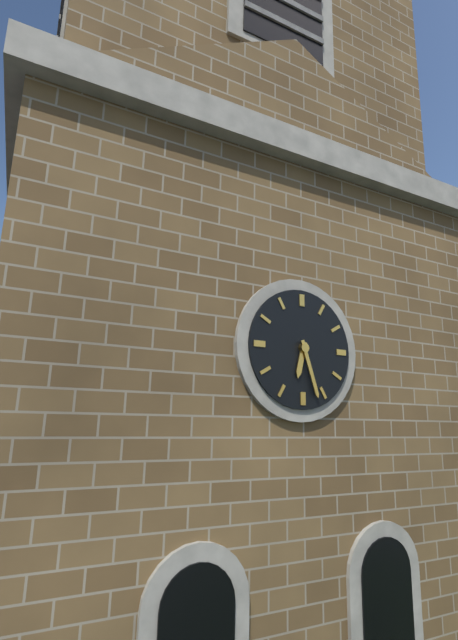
6:27
